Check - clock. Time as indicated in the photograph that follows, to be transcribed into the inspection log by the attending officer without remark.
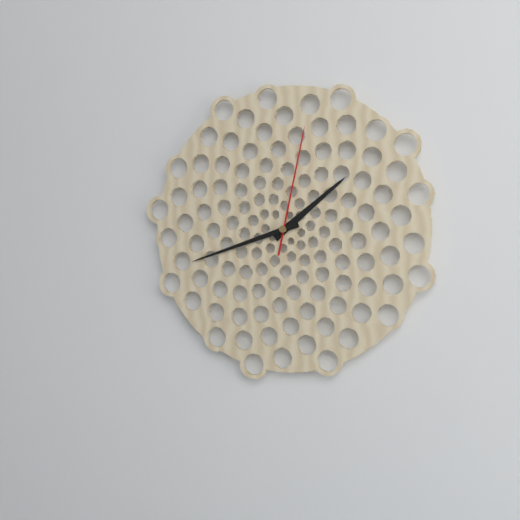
1:42:02
